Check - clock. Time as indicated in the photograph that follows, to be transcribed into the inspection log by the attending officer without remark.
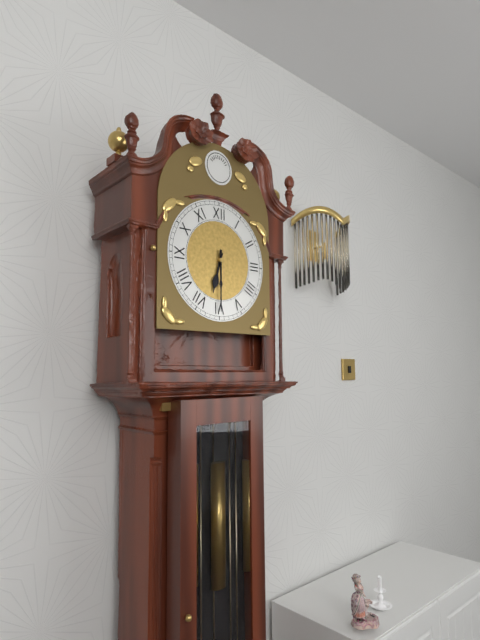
6:30
